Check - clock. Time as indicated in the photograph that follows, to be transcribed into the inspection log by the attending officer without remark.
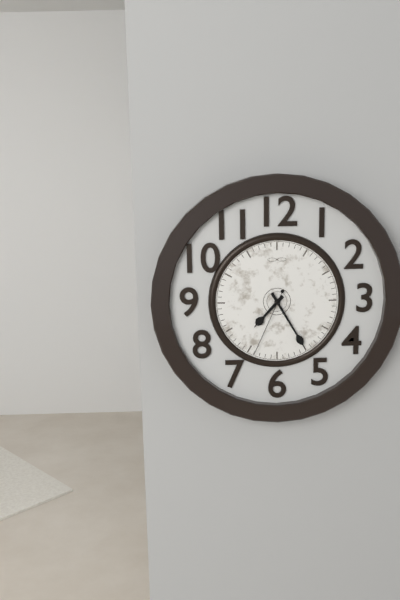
7:25:34
